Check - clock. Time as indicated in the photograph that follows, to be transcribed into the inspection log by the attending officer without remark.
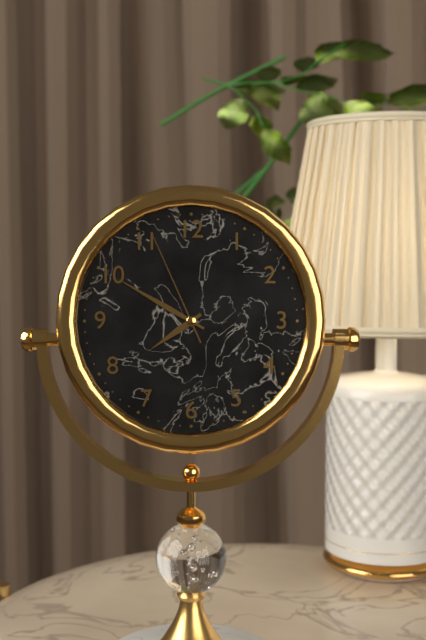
7:50:56
